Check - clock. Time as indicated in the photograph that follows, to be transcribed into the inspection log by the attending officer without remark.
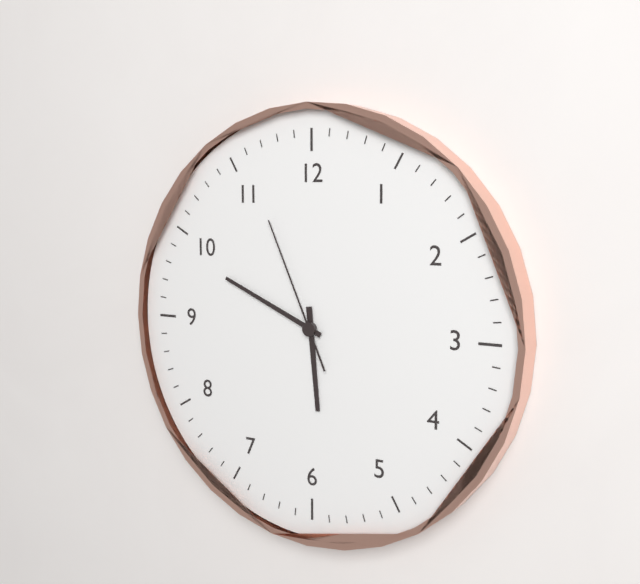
5:49:56
